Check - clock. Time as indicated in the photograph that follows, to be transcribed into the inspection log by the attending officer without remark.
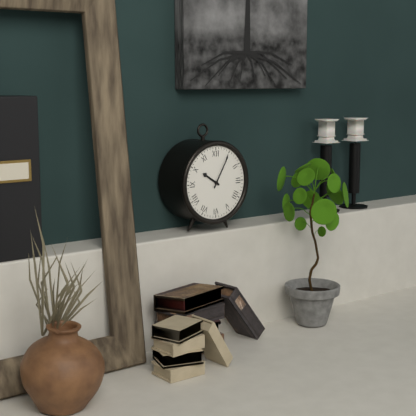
10:05
